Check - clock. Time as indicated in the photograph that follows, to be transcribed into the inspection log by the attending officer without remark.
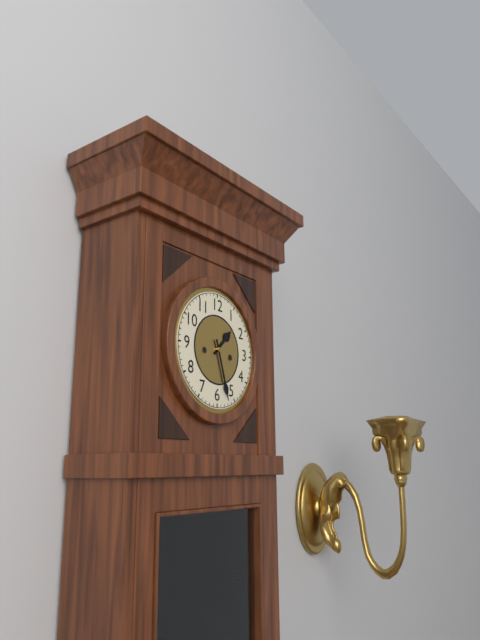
1:27
